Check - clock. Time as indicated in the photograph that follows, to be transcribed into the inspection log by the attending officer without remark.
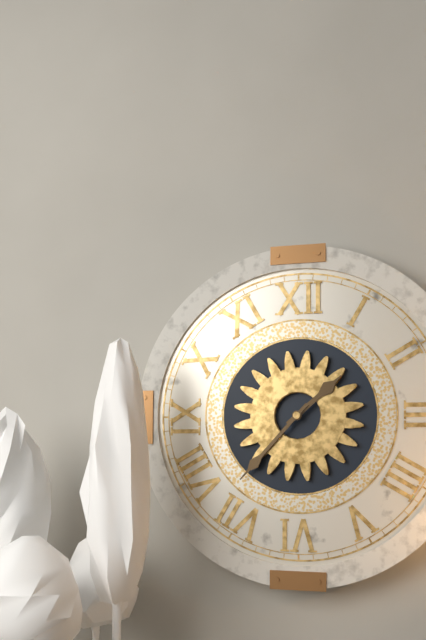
1:37
